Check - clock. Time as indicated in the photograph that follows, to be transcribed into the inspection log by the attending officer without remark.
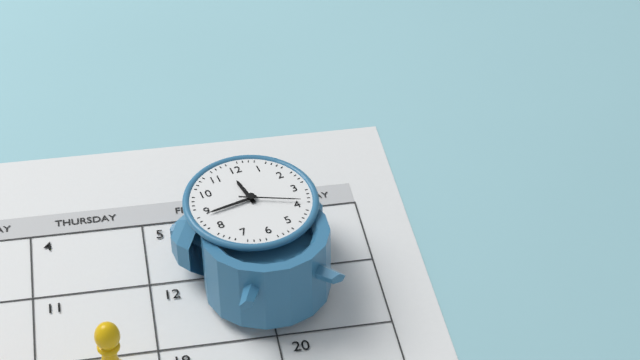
11:44:19
